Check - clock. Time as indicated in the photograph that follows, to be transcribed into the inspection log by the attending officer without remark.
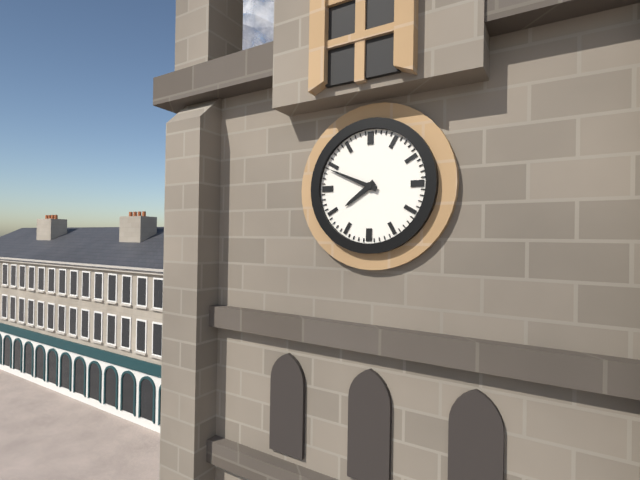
7:49
